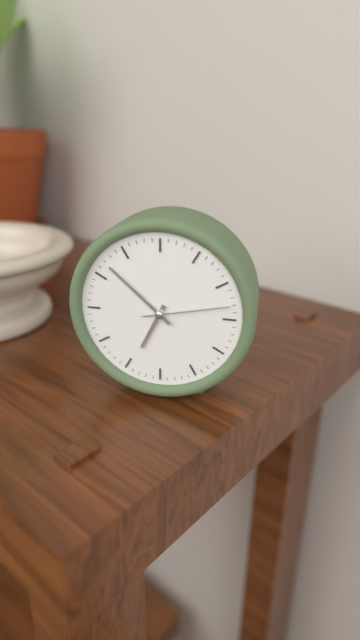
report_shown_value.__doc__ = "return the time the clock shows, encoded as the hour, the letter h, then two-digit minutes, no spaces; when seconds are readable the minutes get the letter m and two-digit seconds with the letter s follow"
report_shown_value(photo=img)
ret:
6h52m13s
